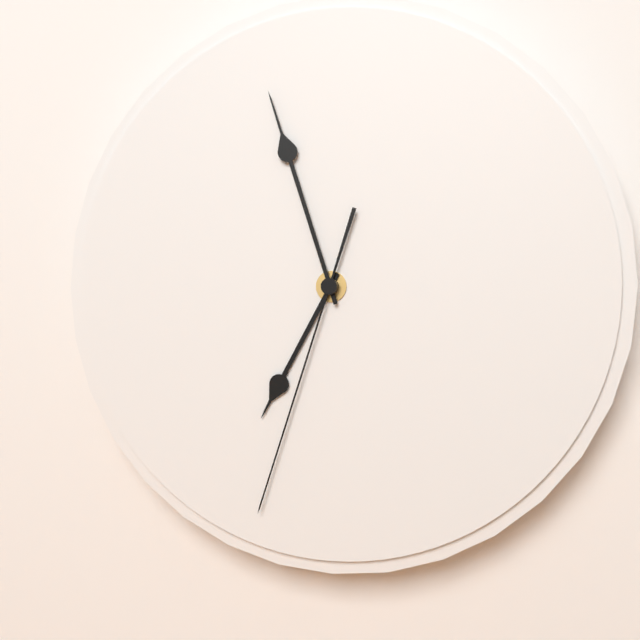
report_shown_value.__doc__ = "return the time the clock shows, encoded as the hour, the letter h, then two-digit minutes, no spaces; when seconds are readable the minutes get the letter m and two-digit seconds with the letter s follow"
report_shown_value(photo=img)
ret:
6h57m33s
